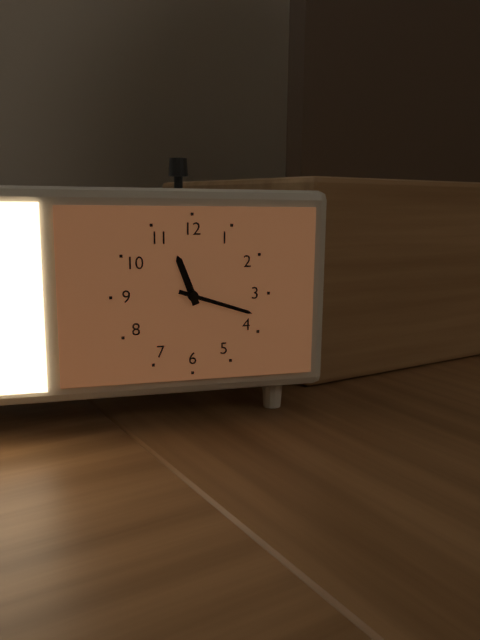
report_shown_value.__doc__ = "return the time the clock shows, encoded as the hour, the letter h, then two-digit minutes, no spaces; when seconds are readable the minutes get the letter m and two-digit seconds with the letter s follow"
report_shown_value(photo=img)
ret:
11h18
